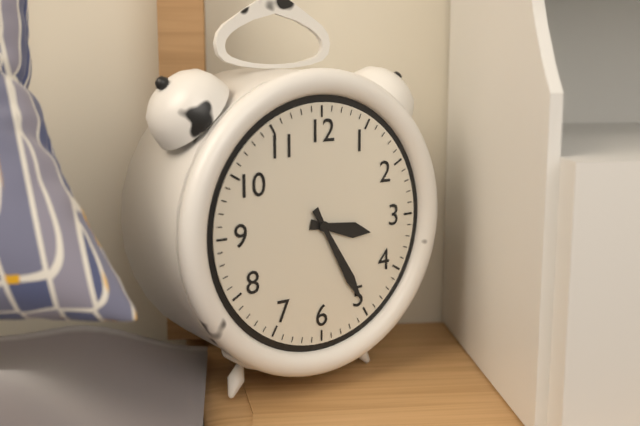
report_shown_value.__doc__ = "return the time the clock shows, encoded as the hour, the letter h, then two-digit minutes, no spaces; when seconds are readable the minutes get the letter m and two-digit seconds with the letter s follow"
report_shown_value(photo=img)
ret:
3h25
